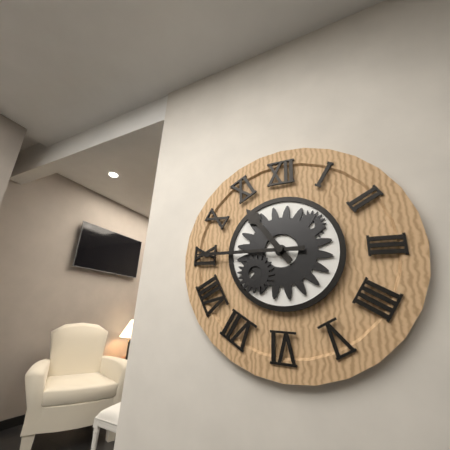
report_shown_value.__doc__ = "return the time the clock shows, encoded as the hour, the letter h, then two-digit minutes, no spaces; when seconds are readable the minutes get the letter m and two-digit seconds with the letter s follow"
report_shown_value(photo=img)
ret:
10h45
